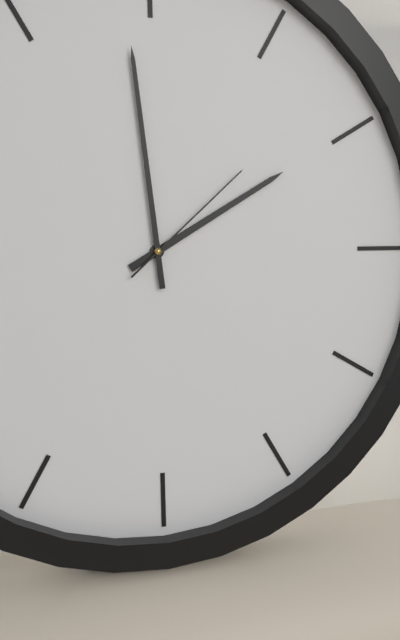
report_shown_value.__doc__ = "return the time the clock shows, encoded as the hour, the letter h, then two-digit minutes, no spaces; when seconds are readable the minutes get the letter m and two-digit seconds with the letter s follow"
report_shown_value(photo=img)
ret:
1h59m08s
